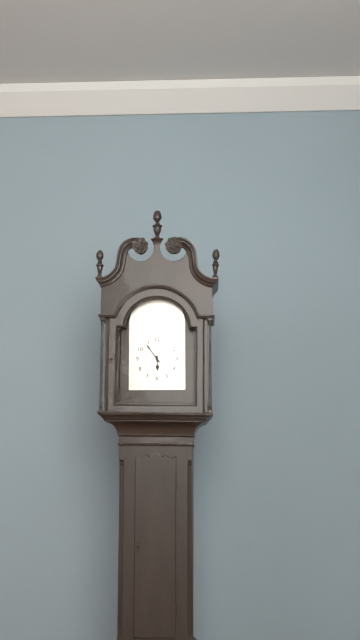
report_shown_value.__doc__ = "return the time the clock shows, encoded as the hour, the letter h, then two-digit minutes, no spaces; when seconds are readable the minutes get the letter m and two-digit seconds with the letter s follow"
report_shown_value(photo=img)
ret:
5h54
